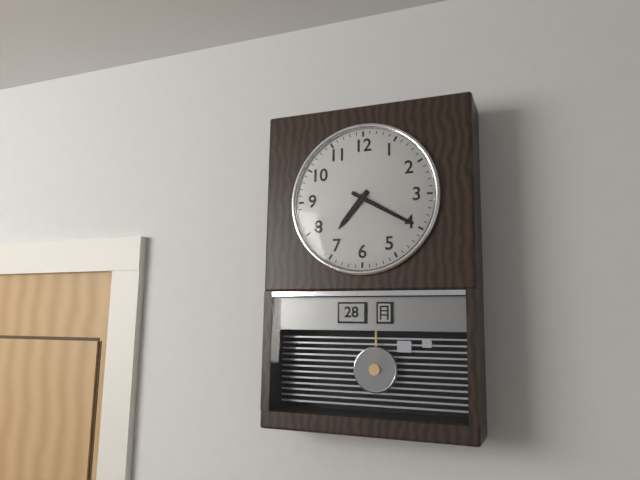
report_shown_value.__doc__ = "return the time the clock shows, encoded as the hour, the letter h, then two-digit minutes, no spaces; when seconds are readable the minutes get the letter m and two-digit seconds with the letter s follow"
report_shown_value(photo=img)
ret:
7h20
